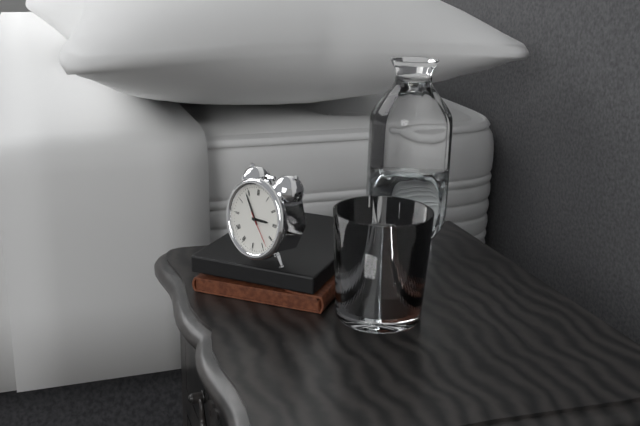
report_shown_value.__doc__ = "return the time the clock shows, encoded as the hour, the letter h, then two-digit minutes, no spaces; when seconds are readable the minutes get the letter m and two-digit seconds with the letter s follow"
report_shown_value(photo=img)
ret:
2h54
